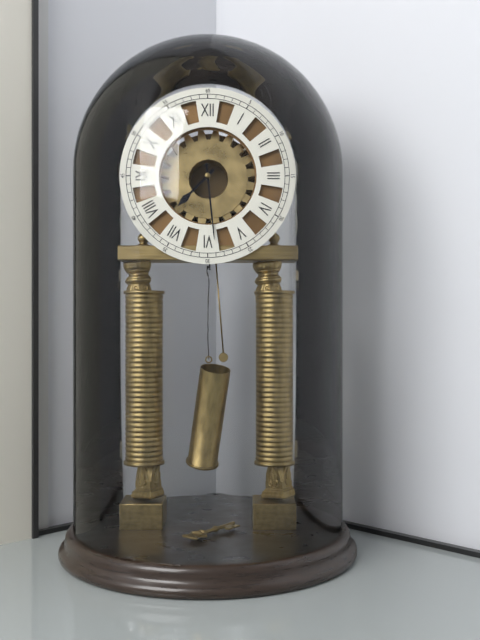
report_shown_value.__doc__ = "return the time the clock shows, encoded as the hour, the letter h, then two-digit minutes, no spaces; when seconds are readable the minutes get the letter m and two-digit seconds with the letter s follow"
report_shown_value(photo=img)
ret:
7h29
